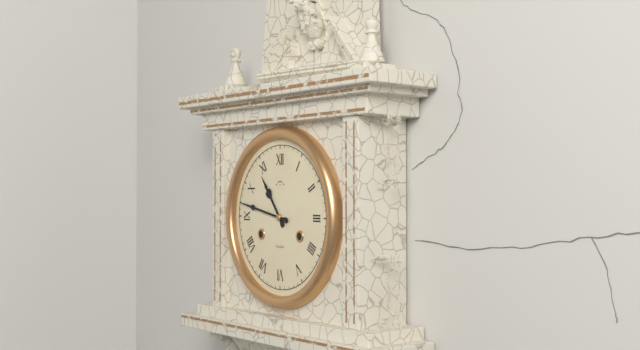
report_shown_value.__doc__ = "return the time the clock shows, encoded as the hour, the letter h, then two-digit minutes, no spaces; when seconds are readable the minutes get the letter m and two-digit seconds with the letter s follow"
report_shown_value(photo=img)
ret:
10h47
